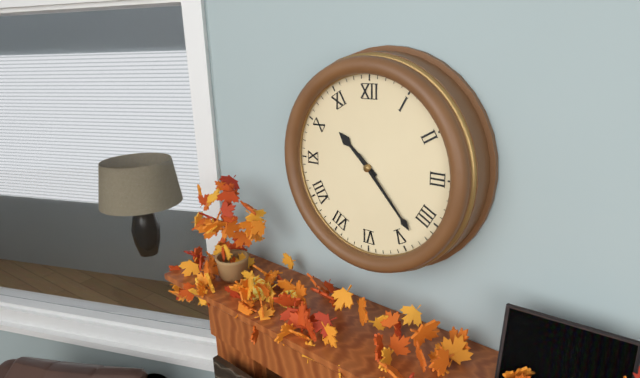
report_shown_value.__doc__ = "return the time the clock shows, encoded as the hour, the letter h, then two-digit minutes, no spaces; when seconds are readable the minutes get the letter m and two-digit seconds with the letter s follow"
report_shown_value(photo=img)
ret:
10h23
